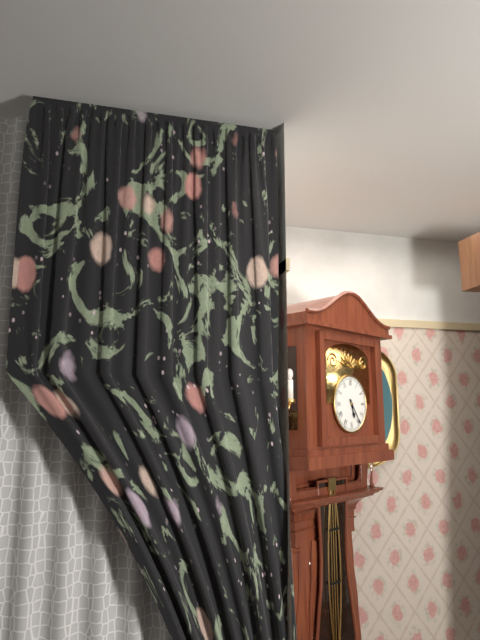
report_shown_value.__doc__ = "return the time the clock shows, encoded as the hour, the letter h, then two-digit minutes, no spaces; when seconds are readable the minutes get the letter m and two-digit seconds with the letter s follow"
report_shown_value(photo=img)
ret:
5h24
